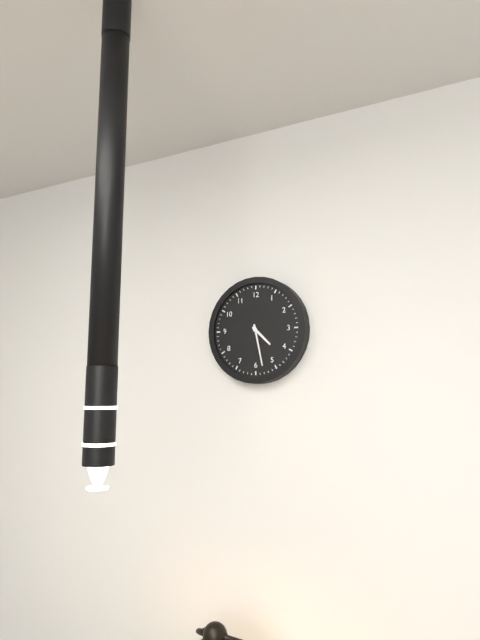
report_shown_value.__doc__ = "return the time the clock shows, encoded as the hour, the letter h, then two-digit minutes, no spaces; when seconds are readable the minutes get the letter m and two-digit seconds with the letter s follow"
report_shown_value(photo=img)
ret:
4h28
